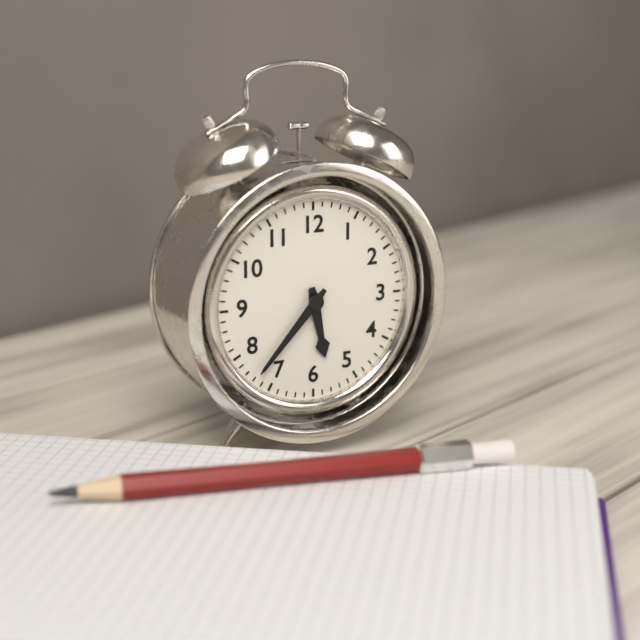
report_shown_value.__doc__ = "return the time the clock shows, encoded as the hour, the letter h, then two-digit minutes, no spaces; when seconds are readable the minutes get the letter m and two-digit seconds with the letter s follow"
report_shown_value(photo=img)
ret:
5h37
